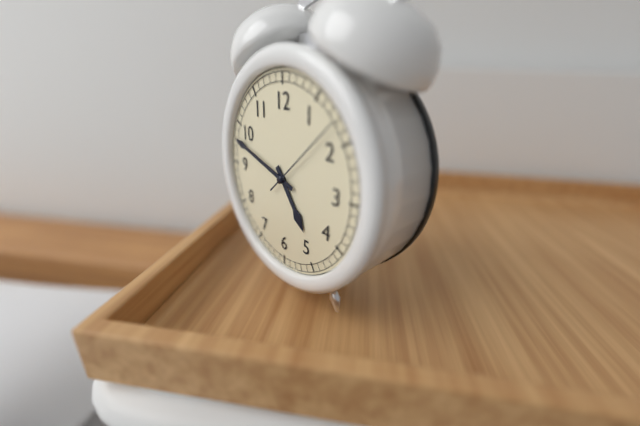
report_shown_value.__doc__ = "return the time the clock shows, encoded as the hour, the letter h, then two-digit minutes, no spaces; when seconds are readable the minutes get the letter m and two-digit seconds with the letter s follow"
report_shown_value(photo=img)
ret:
4h48m08s
